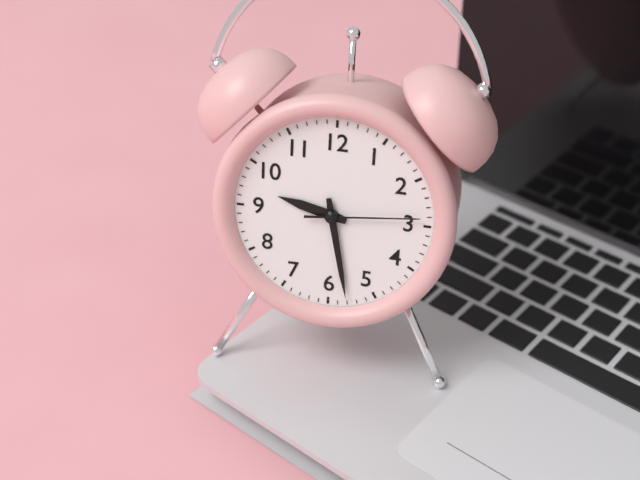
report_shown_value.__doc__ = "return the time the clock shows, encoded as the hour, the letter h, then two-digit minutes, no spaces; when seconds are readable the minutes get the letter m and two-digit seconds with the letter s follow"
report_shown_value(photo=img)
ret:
9h28m14s
